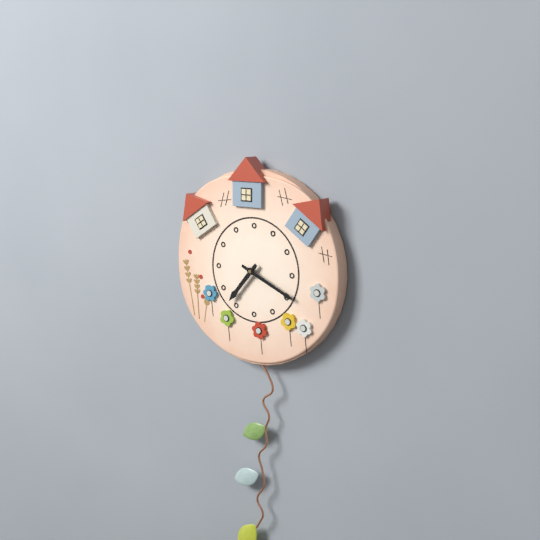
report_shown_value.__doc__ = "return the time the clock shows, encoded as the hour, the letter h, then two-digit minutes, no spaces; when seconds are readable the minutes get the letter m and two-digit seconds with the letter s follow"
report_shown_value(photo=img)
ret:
7h19
